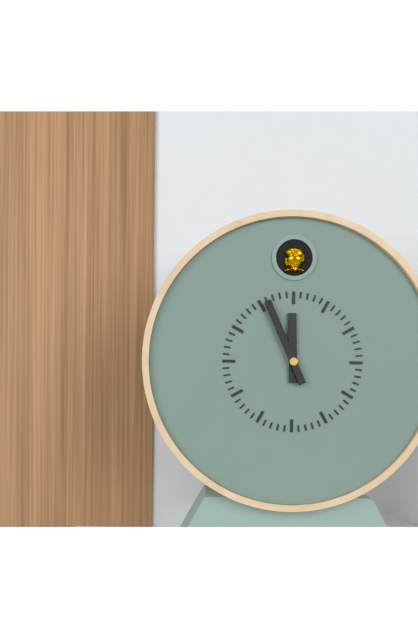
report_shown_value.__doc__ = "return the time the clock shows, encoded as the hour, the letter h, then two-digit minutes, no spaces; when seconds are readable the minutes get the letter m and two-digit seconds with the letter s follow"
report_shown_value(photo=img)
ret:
11h56
